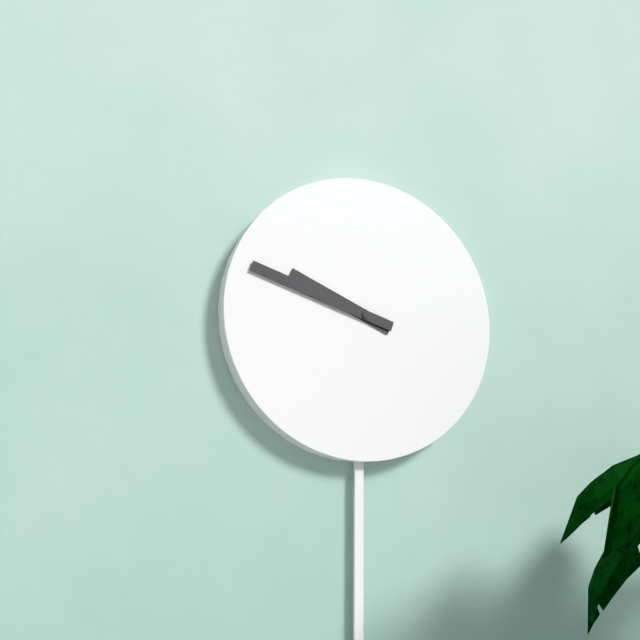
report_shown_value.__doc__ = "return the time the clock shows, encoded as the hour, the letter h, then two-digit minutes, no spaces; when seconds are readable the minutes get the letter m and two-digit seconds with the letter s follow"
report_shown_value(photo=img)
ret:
9h48
